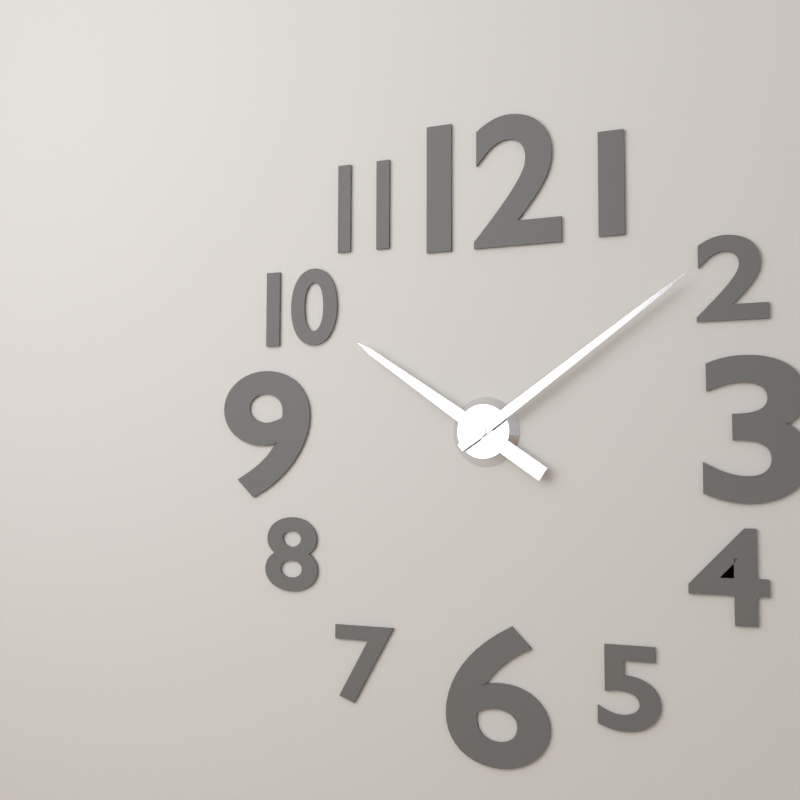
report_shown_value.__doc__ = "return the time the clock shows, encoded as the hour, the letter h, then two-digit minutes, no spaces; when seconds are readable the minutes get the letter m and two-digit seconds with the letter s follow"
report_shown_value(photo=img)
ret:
10h09
